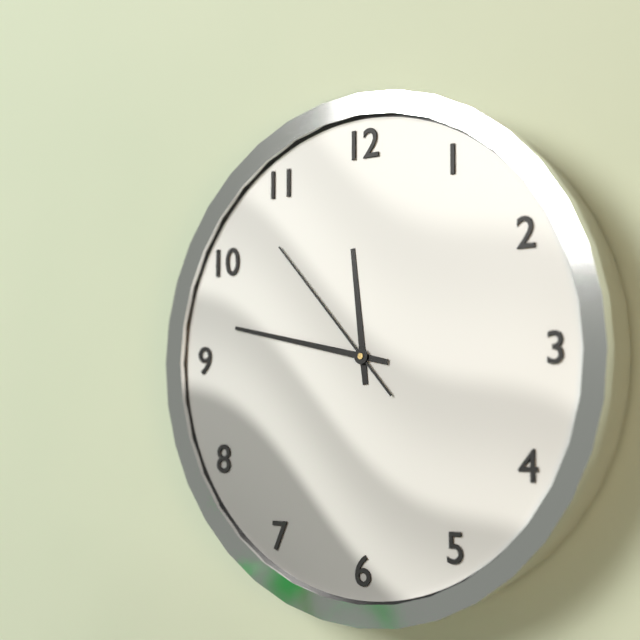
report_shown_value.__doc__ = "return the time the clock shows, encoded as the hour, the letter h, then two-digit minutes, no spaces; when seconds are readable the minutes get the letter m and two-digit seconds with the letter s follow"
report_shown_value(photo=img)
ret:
11h47m53s
